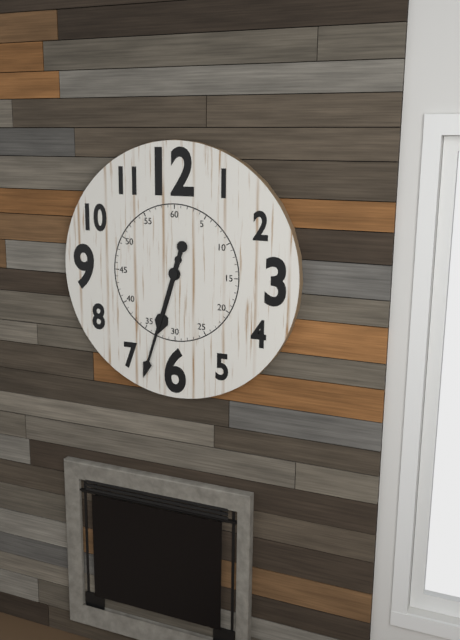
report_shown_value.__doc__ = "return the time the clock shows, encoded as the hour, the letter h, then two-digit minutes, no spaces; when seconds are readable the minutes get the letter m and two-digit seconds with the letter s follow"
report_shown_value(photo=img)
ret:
6h33
